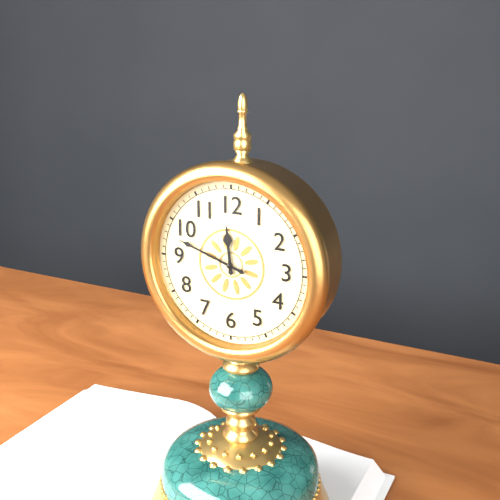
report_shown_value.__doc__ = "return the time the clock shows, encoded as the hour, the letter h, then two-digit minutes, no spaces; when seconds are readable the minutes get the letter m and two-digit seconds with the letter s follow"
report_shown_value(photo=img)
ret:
11h48
